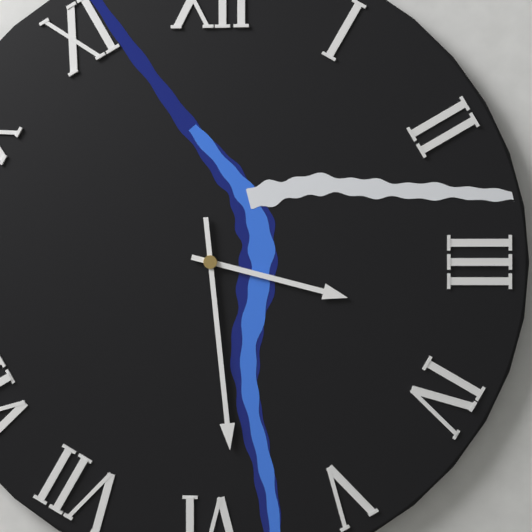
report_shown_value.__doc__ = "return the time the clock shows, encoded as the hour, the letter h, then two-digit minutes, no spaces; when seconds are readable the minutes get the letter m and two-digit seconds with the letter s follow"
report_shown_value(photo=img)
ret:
3h29
